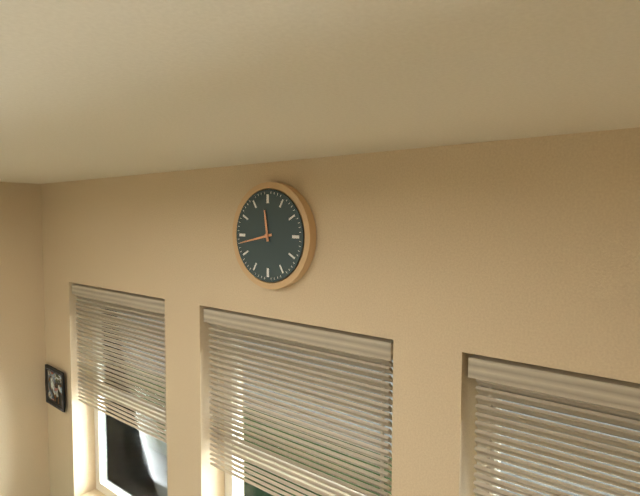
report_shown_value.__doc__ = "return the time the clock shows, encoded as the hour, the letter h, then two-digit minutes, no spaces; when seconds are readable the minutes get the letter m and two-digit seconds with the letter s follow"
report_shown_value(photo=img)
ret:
11h43
